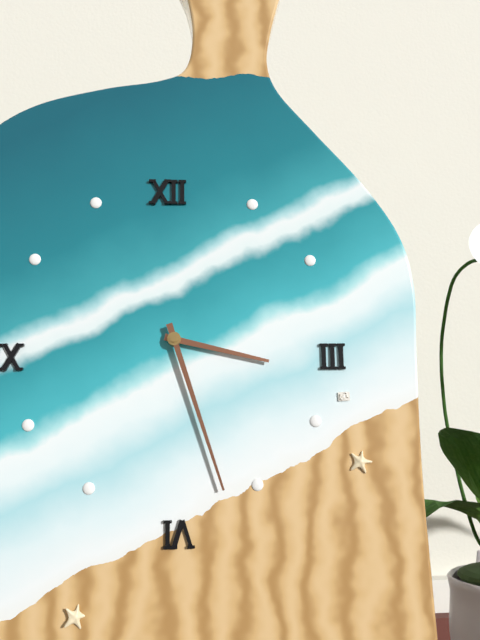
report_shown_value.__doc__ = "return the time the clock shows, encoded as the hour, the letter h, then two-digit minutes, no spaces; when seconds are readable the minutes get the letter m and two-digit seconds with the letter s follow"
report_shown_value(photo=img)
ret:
3h27
